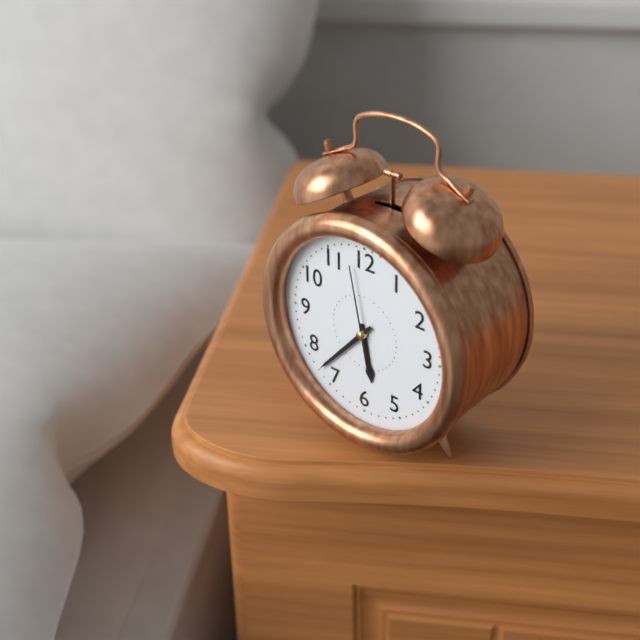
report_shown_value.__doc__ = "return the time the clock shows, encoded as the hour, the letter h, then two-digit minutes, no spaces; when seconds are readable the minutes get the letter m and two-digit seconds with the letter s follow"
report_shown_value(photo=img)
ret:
5h37m58s
